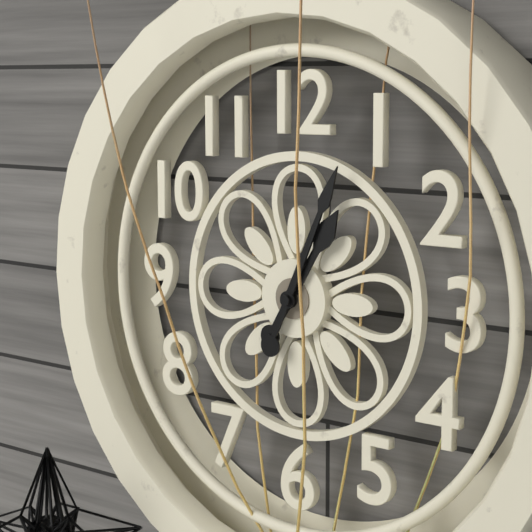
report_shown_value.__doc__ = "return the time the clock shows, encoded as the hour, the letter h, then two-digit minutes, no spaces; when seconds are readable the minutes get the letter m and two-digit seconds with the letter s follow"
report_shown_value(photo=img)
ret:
1h04
